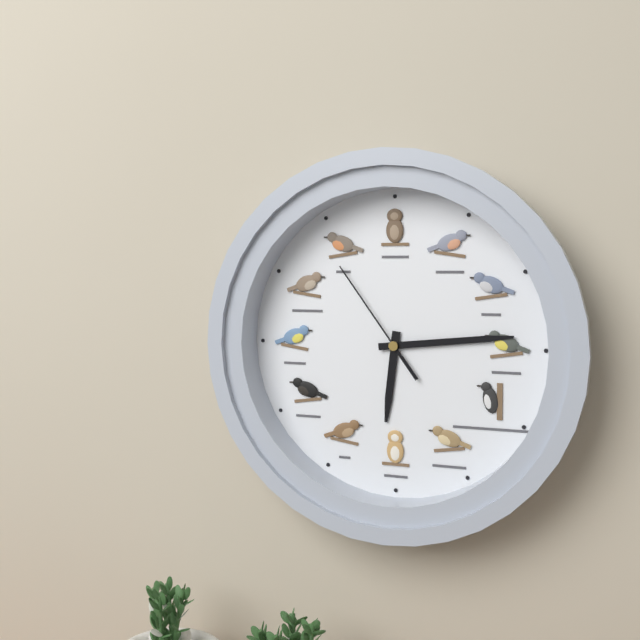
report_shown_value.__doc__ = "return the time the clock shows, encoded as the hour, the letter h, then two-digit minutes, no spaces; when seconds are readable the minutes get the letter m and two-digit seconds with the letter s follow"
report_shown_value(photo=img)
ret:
6h14m54s
